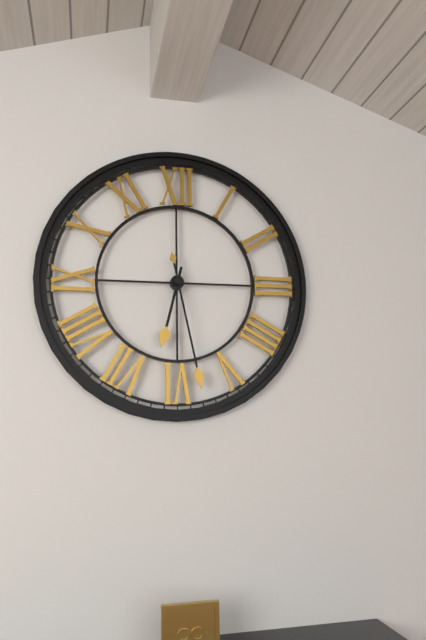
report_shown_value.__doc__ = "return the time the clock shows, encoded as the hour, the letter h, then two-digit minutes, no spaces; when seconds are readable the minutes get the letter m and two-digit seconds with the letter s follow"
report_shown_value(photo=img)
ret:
6h28
